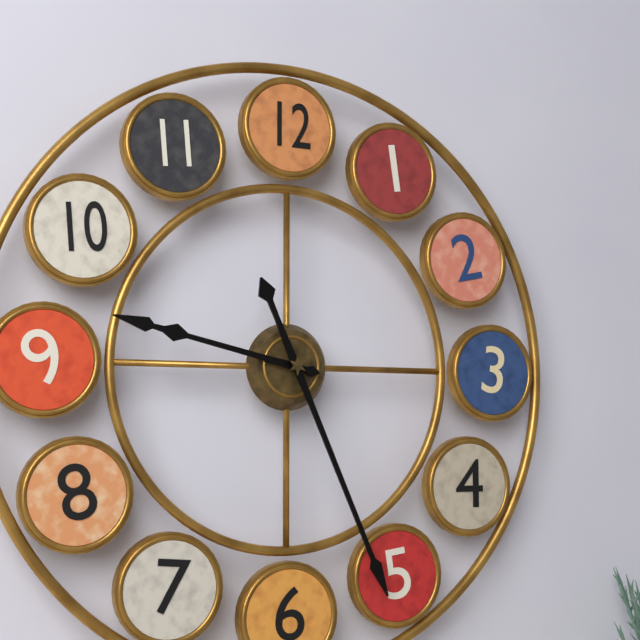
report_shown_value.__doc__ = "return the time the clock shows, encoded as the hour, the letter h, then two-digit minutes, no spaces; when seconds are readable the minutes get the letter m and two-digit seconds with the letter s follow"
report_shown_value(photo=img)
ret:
9h26
